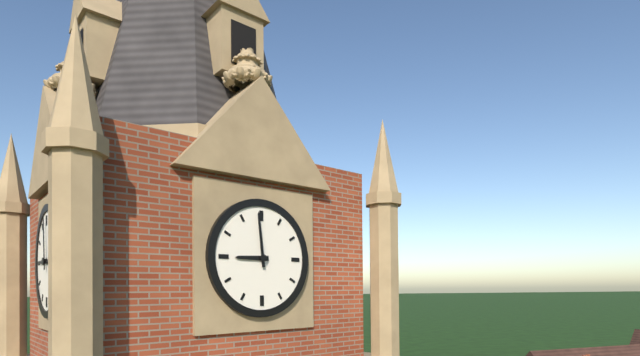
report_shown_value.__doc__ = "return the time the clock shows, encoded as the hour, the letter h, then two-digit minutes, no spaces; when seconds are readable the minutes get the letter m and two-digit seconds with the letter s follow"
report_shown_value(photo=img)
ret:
8h59
